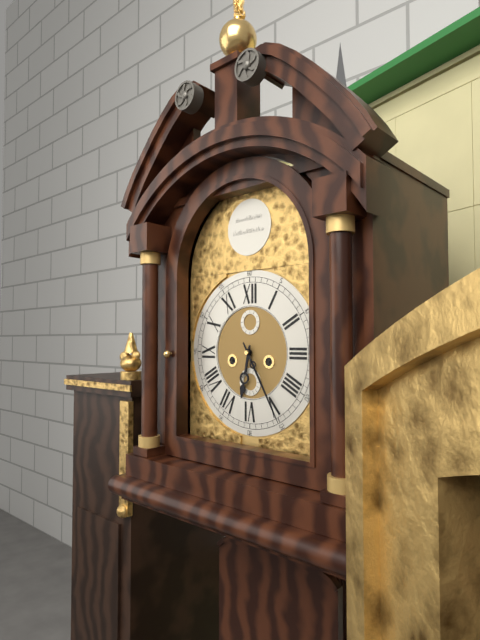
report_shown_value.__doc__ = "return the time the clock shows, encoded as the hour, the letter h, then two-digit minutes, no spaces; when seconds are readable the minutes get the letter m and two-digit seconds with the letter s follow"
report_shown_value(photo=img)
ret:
6h25
